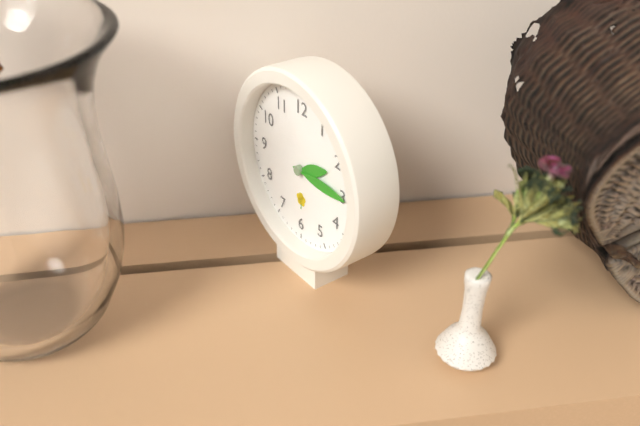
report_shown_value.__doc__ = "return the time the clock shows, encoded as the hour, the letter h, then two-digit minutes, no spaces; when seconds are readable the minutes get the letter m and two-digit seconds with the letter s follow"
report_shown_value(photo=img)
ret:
2h15
